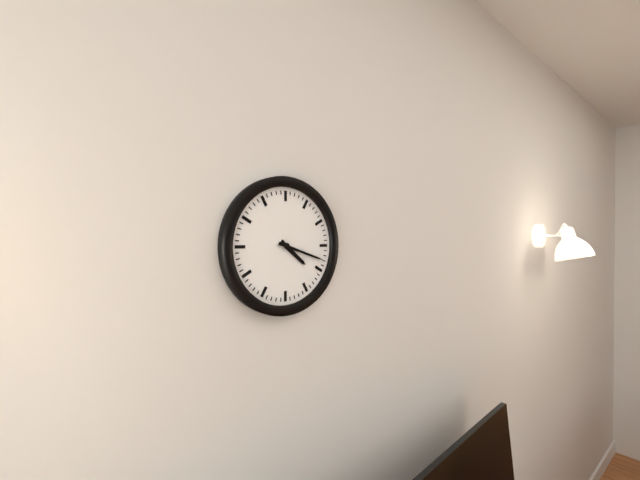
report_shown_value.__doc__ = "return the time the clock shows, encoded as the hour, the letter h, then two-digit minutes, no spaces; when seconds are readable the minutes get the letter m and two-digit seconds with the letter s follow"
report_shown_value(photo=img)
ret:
4h18
